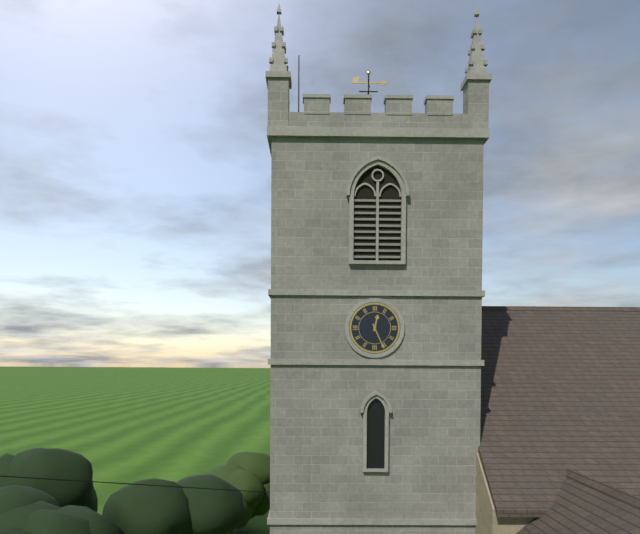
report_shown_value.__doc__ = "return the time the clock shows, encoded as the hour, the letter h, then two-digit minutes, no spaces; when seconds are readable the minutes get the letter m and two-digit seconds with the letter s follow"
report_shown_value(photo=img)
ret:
12h26
